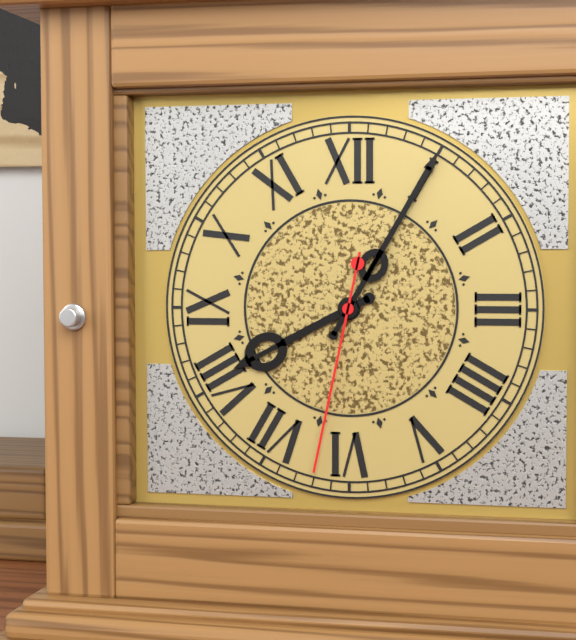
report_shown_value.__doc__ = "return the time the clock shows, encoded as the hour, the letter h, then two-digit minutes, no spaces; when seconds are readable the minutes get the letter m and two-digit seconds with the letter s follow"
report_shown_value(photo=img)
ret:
8h05m32s
